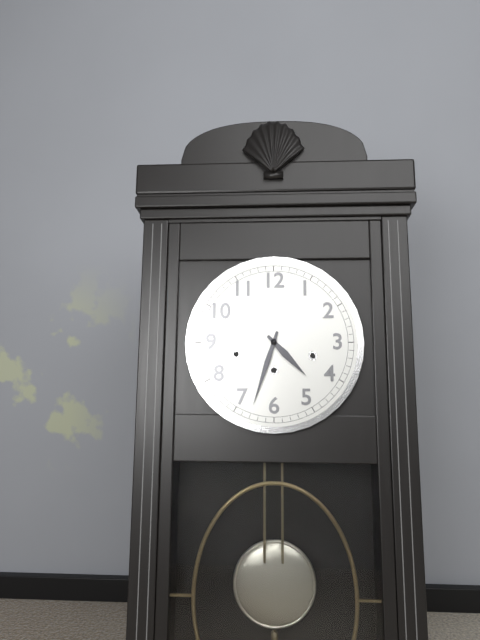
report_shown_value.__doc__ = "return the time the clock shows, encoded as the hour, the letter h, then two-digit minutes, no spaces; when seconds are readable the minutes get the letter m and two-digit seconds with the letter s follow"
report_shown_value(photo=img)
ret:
4h33
